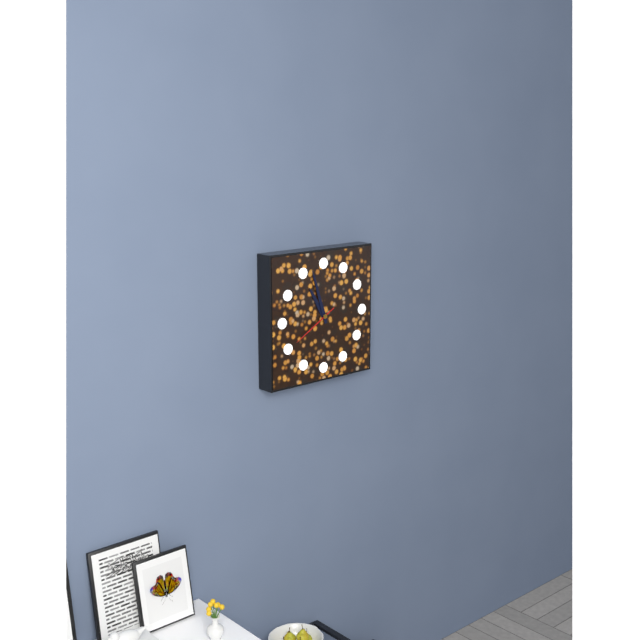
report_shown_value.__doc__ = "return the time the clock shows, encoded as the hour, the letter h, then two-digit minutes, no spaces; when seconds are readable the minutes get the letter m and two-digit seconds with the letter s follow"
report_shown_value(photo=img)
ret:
10h57
